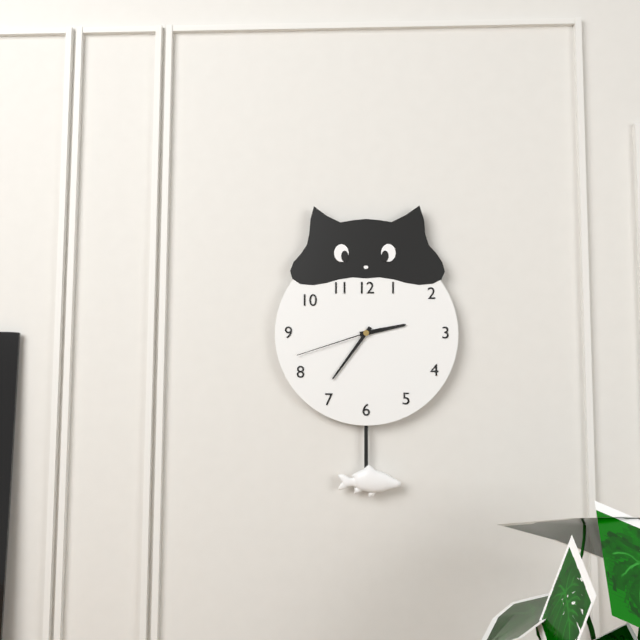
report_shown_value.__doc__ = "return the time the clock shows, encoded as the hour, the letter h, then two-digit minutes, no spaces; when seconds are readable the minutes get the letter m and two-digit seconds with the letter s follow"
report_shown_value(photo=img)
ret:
2h36m42s
